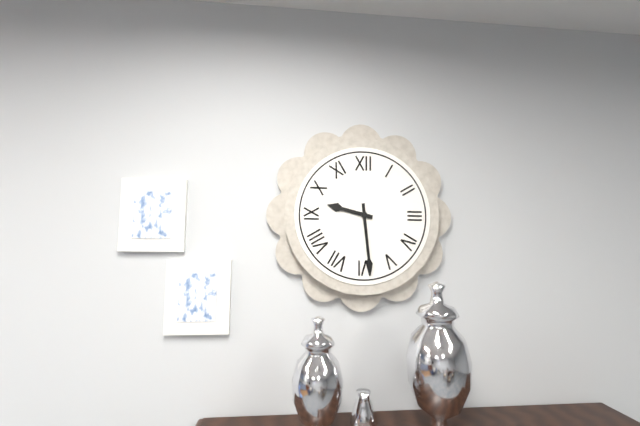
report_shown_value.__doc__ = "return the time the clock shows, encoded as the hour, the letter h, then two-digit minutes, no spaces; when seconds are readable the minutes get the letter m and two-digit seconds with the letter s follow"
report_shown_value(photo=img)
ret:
9h29
